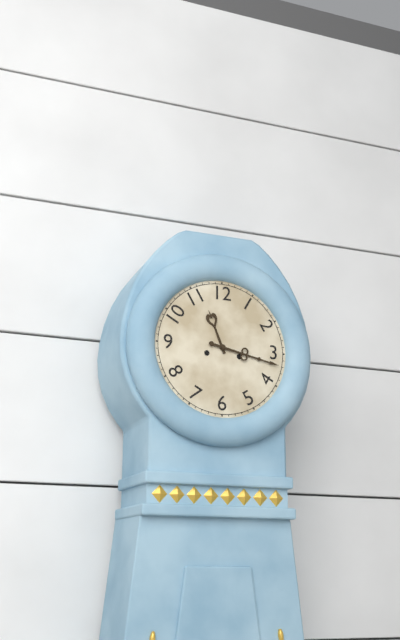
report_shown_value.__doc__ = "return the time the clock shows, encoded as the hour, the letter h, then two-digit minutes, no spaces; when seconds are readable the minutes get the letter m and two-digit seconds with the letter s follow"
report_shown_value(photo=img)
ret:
11h17
